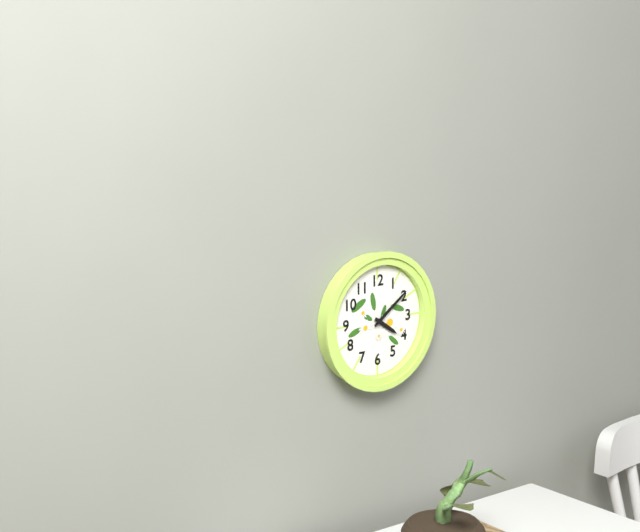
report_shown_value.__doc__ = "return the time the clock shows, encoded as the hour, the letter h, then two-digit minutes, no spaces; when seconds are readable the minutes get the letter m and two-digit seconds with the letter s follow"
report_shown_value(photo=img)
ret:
4h09
